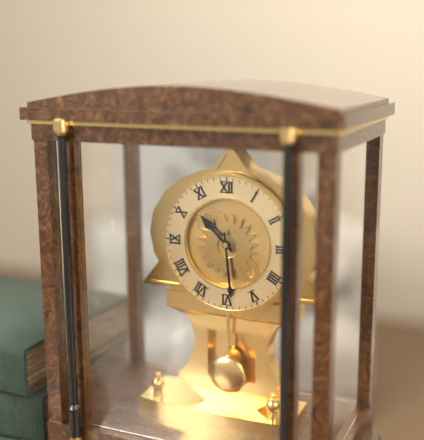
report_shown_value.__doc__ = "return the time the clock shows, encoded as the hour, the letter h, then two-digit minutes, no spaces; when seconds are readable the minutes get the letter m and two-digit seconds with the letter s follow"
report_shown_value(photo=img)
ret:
10h29
